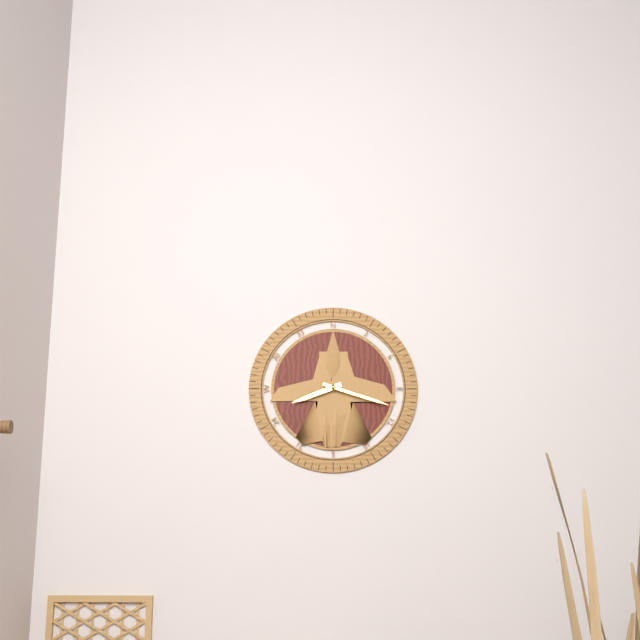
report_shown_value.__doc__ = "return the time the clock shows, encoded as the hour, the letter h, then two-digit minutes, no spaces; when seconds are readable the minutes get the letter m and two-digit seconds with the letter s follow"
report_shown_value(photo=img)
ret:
8h18
